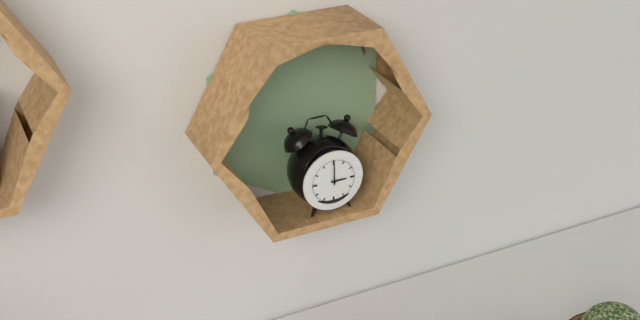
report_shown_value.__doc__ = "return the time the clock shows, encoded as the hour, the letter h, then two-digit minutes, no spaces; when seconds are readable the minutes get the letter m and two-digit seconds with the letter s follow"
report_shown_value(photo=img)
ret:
3h00
